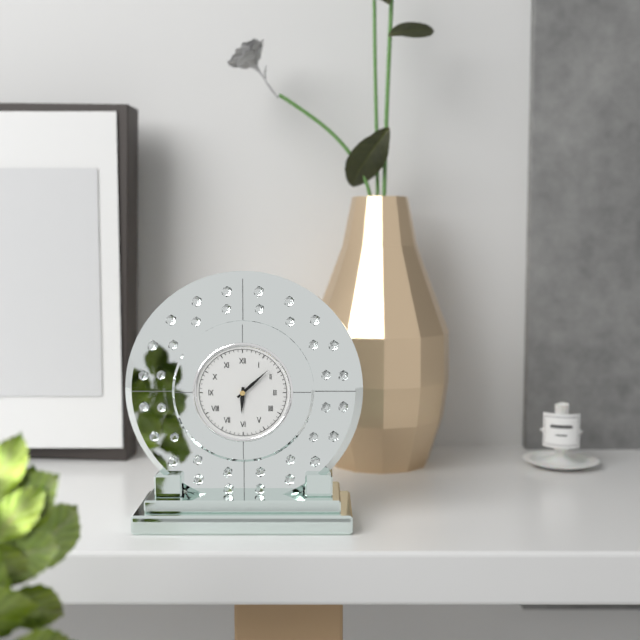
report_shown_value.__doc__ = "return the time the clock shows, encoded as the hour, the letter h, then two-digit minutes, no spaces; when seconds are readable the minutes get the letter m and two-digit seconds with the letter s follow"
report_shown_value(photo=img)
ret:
6h08
